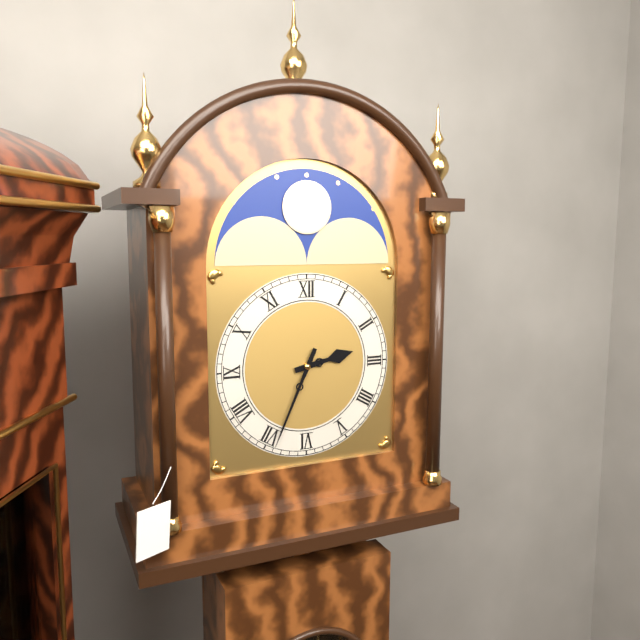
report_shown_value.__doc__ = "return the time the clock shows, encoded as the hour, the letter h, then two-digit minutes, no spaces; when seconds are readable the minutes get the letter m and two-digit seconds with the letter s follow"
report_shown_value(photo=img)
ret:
2h34
